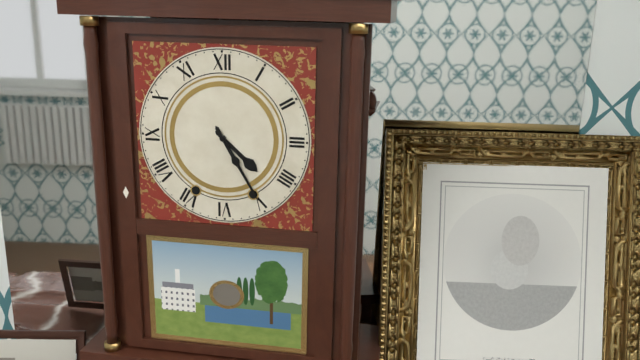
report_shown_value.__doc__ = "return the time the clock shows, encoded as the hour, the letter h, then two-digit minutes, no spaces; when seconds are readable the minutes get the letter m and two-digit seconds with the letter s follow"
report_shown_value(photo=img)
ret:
4h25
